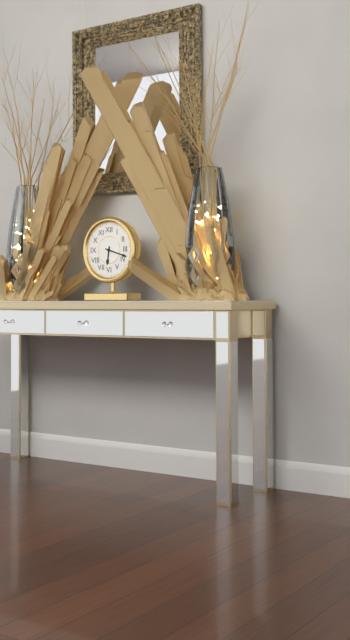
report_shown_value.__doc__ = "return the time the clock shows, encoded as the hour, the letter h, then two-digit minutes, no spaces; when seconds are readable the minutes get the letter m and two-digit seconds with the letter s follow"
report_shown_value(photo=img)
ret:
6h18
